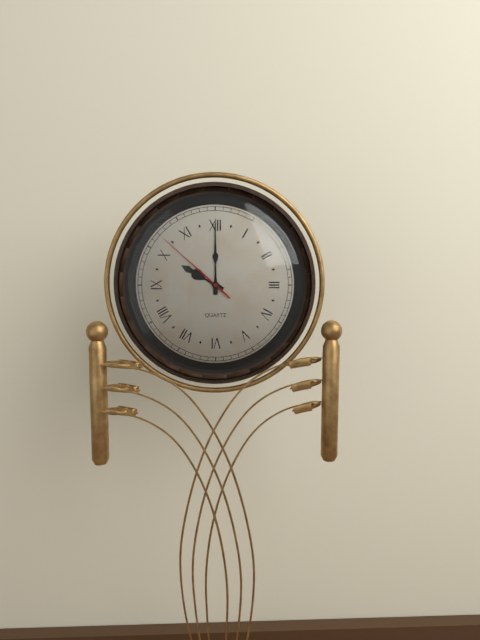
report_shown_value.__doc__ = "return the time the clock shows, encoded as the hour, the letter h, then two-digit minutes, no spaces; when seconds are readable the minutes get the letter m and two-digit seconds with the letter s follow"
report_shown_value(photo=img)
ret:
10h00m52s
